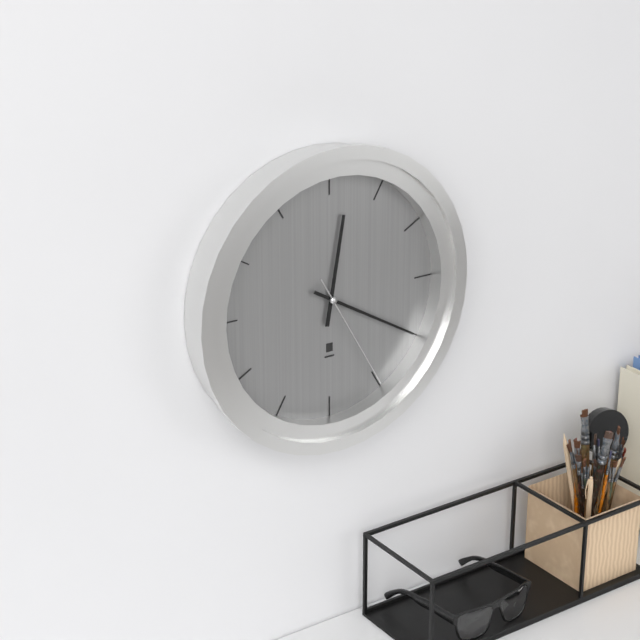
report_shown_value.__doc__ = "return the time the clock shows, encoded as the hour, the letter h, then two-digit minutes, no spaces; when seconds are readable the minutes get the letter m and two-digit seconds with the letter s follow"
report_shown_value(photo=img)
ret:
12h20m25s
